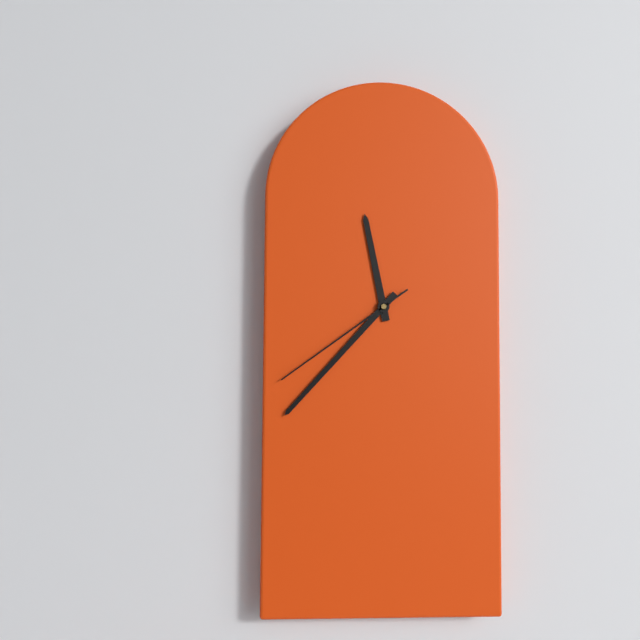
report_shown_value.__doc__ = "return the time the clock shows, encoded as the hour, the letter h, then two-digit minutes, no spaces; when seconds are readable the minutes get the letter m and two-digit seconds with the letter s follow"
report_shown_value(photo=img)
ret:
11h37m39s
